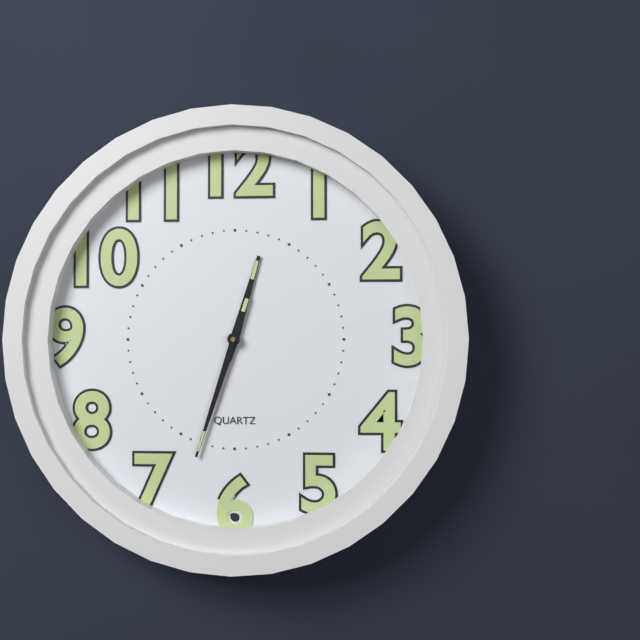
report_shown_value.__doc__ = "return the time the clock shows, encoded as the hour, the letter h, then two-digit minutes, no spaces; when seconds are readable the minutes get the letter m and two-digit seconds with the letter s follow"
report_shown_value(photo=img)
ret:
12h33
